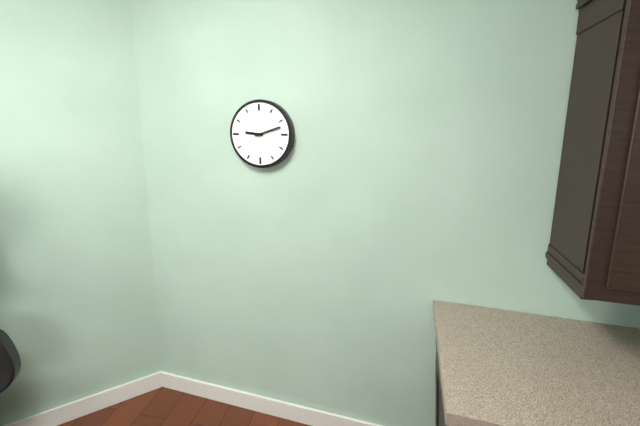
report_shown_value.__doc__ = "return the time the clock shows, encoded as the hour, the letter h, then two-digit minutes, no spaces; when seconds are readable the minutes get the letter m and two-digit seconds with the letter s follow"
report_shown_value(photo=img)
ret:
9h12
